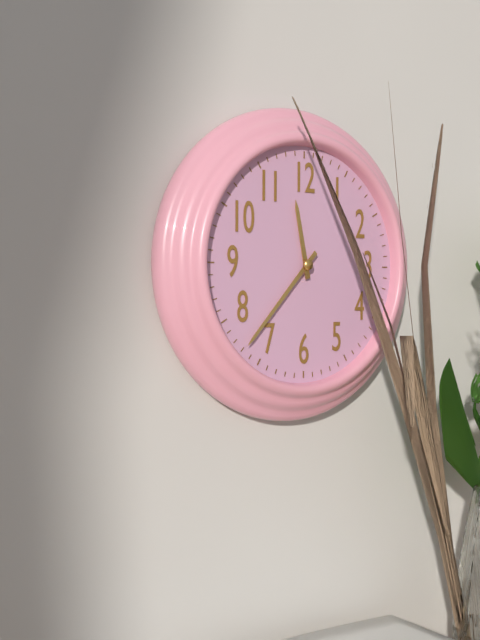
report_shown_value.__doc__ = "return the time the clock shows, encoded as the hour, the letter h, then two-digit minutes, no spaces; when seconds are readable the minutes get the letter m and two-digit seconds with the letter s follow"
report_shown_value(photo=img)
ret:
11h37
